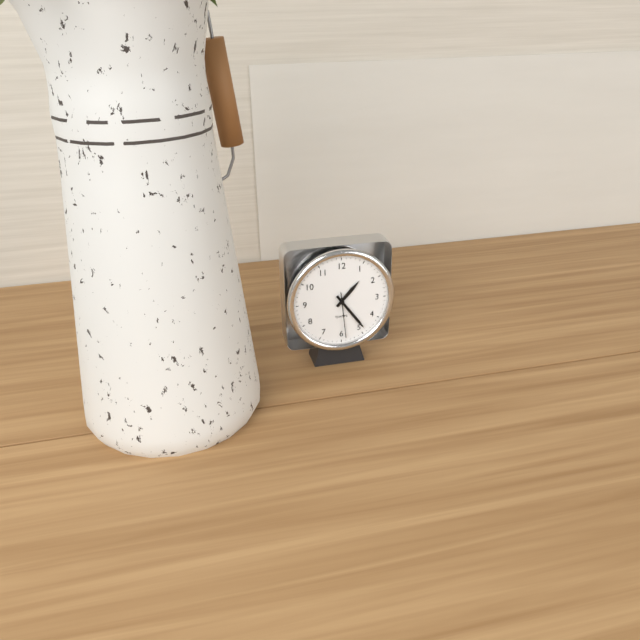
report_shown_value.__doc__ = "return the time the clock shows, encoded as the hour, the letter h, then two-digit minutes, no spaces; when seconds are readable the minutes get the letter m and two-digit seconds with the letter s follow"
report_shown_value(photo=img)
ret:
1h24
